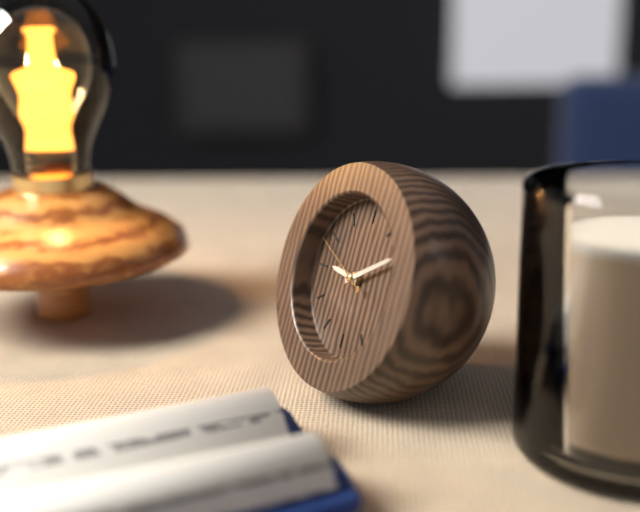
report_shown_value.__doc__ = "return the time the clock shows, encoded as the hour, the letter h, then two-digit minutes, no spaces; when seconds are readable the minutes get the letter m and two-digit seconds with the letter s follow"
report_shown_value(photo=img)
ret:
9h10m49s
